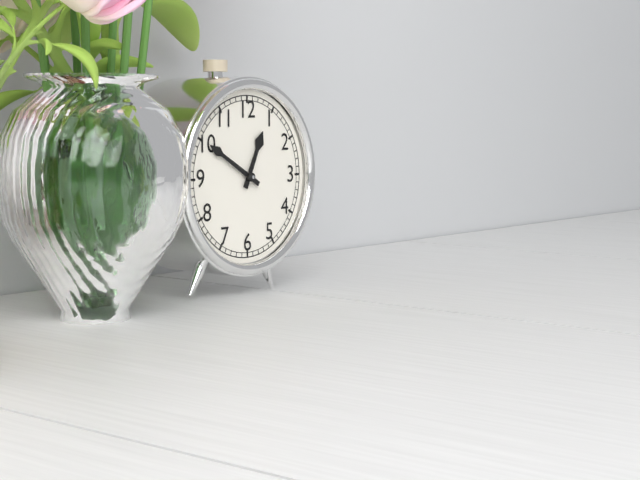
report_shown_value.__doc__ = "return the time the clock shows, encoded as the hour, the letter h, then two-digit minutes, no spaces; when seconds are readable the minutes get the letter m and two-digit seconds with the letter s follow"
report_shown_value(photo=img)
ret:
12h50
